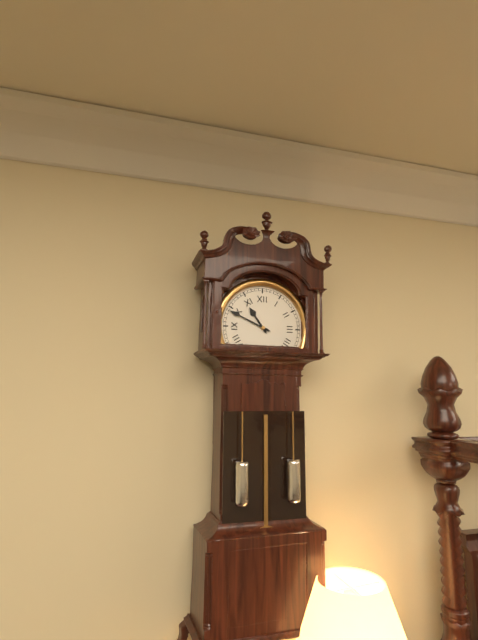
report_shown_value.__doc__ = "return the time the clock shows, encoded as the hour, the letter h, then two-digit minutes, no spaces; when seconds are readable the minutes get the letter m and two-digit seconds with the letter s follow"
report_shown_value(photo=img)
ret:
10h49
